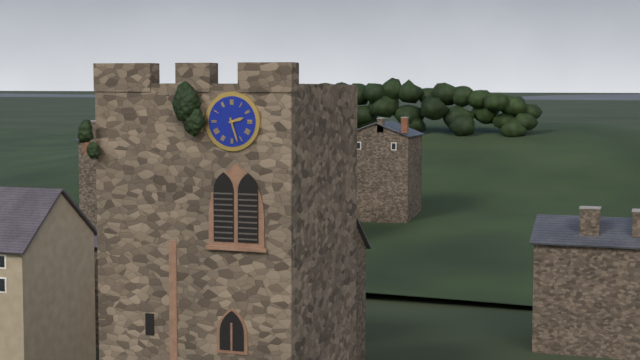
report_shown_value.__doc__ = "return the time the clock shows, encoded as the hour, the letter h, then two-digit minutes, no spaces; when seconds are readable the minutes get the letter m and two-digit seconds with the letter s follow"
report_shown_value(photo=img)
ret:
2h27
